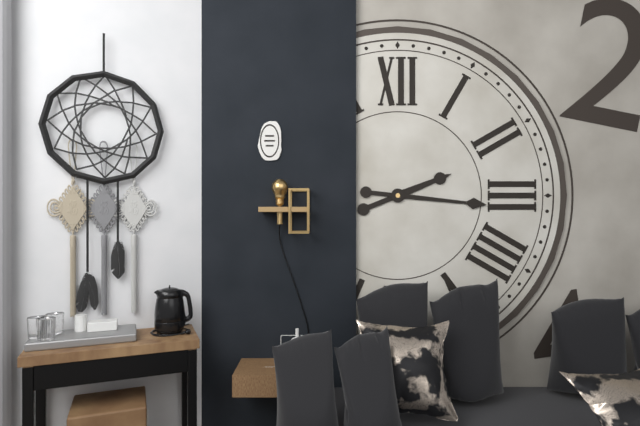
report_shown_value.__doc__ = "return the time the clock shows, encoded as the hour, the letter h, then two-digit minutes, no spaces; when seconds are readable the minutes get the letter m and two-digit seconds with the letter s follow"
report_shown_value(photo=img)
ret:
2h16
